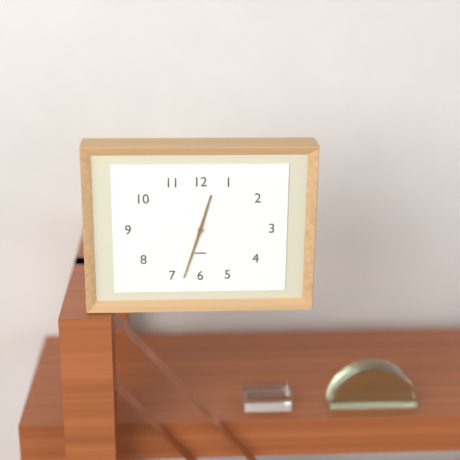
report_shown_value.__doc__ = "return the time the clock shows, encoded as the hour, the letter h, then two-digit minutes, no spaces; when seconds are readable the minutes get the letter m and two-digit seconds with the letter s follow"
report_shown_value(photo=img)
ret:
12h33
